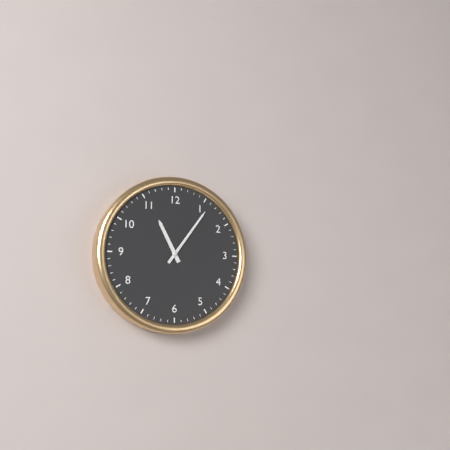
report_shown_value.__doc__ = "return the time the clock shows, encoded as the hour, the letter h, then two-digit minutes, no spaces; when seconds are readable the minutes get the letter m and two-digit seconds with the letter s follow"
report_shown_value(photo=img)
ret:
11h06
